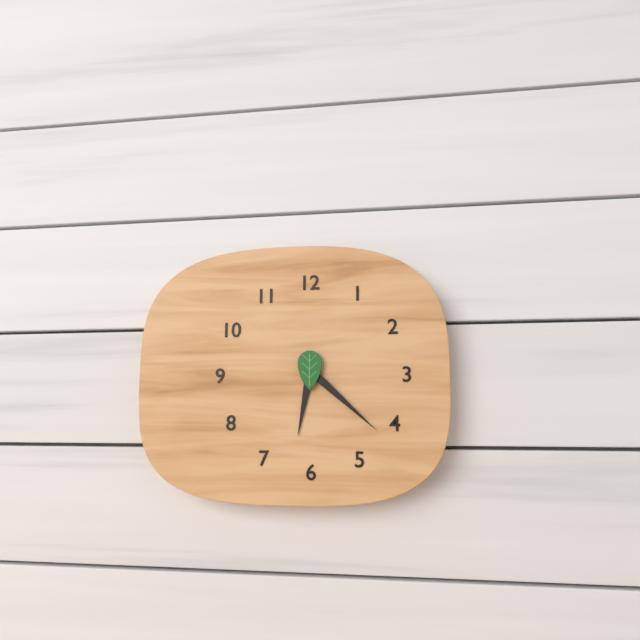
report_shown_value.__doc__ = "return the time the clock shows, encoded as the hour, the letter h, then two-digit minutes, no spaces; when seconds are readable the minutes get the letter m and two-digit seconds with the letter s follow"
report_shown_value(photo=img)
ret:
6h22
